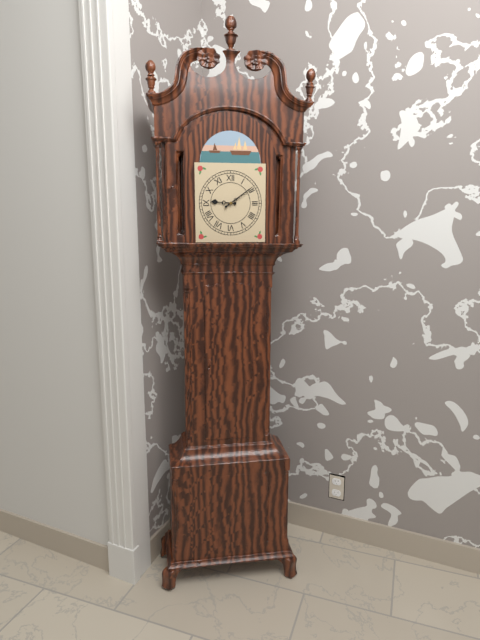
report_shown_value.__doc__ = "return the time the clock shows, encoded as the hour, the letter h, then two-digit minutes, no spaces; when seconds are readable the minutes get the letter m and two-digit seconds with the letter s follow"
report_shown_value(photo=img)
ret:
9h09
